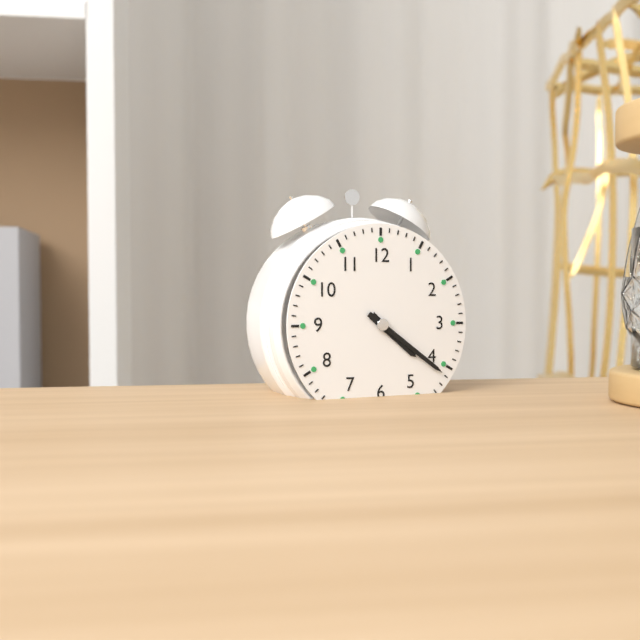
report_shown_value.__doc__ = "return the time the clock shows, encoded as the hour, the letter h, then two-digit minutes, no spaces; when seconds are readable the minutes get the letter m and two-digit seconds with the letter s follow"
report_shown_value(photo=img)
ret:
4h21
